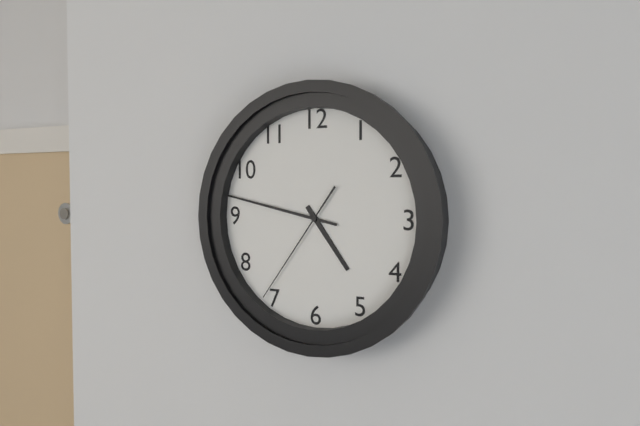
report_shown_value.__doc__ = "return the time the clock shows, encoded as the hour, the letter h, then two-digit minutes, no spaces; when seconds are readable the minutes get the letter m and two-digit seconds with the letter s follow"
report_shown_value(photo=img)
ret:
4h47m36s
